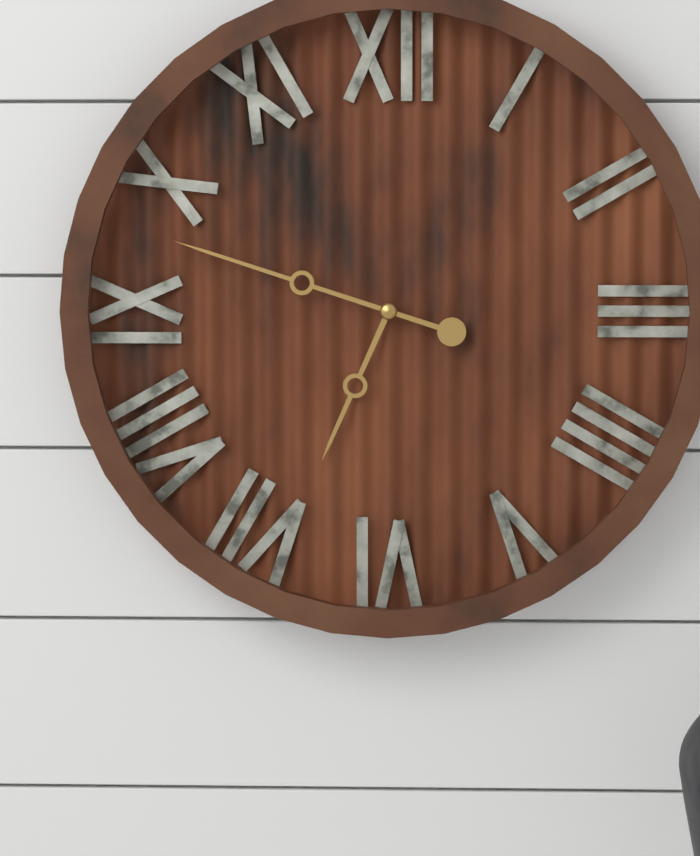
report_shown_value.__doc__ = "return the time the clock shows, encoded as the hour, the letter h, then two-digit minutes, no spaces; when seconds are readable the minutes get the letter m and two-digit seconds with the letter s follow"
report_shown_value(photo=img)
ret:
6h48
